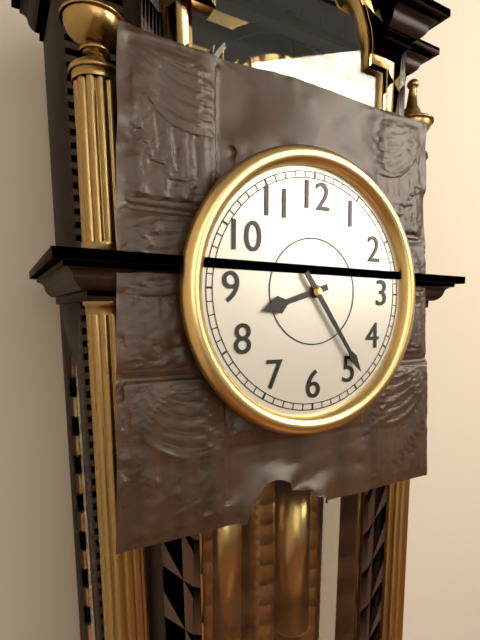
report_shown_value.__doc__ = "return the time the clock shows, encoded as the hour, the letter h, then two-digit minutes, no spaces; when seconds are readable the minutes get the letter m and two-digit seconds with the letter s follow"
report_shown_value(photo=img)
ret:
8h24
